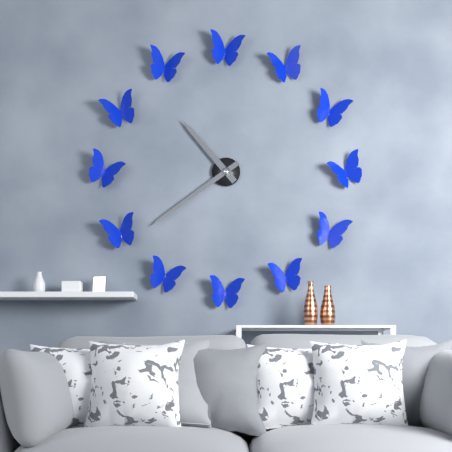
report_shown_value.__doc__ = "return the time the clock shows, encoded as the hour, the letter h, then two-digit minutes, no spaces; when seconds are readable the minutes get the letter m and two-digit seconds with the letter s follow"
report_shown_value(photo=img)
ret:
10h39
